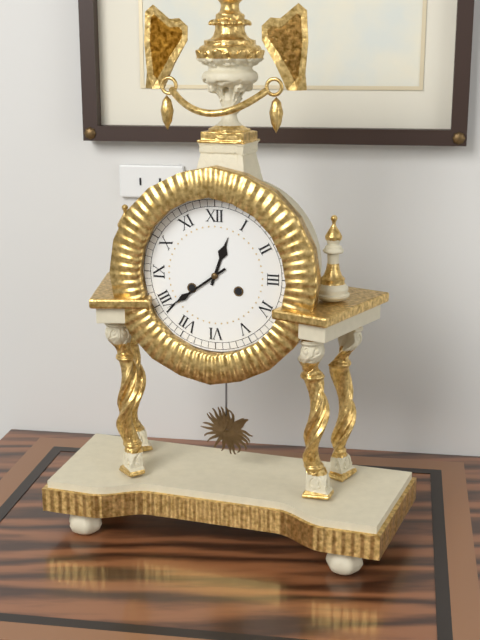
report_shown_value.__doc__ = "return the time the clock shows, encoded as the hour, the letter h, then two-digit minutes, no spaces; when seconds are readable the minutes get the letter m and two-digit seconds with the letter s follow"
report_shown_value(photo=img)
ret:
12h39
